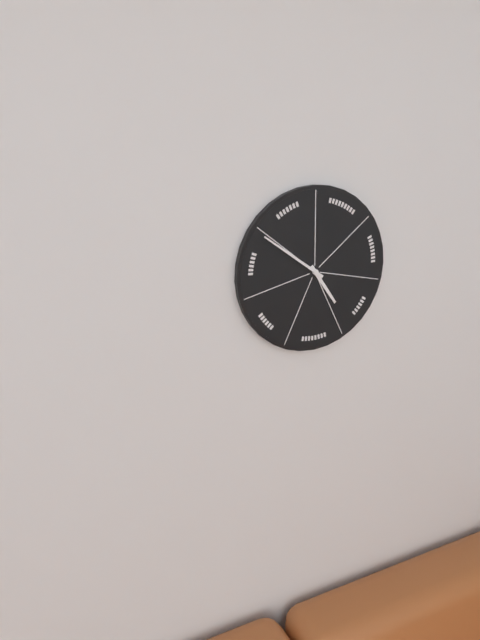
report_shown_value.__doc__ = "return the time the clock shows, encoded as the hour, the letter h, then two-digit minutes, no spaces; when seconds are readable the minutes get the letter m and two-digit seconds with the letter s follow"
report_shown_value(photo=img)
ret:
4h51
